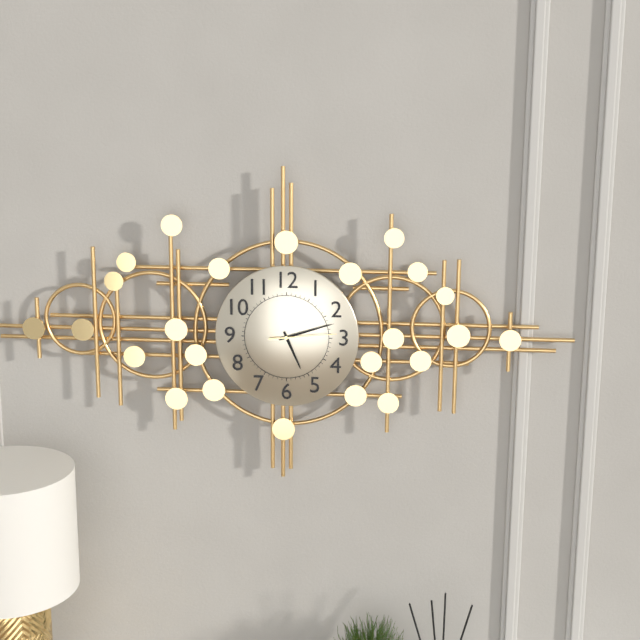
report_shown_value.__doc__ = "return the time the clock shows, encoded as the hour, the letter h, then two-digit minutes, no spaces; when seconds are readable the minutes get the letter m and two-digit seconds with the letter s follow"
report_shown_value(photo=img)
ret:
5h12m14s
